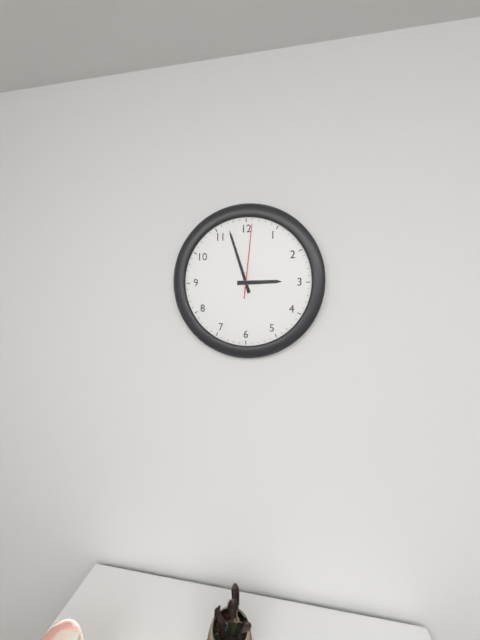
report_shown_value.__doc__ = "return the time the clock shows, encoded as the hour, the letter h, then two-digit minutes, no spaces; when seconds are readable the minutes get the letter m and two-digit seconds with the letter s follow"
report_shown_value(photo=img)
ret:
2h57m01s
